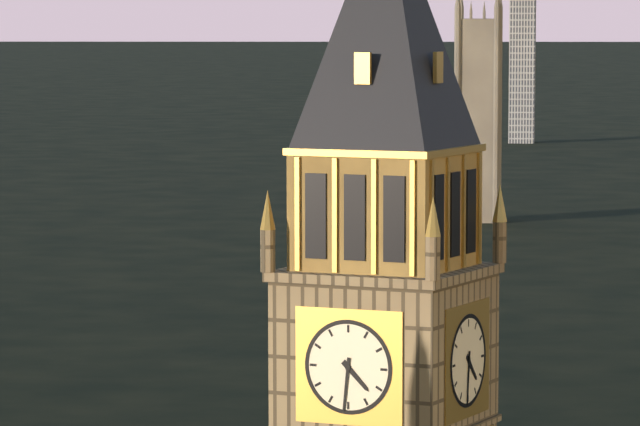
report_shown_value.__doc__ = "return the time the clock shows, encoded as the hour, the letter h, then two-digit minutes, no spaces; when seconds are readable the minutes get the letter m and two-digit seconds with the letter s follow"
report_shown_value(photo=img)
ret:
4h31
